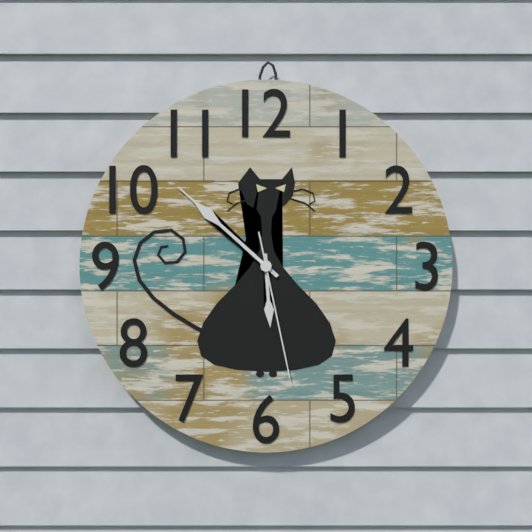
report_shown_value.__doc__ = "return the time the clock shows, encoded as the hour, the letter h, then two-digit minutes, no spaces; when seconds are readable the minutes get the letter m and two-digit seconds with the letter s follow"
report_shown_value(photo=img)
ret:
5h52m28s
